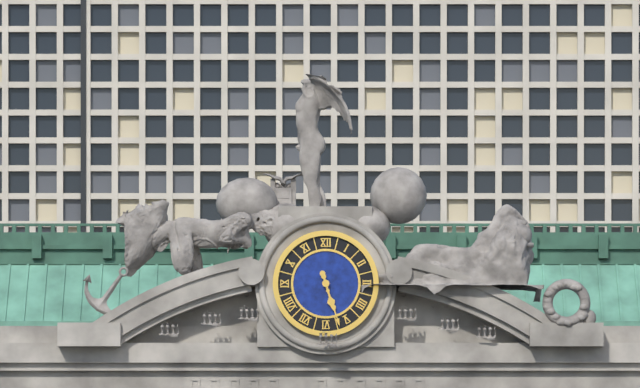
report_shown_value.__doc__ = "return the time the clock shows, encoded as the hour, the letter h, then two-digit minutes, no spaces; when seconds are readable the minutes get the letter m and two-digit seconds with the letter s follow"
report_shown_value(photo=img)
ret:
5h27
